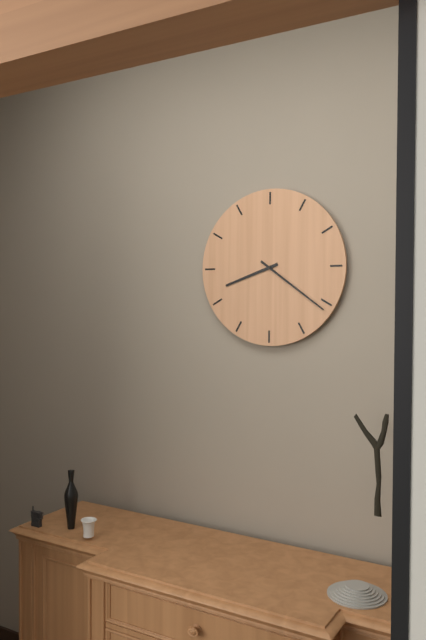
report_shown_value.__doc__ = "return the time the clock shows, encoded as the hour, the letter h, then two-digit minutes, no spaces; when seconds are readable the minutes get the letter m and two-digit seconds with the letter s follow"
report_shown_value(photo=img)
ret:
8h21
